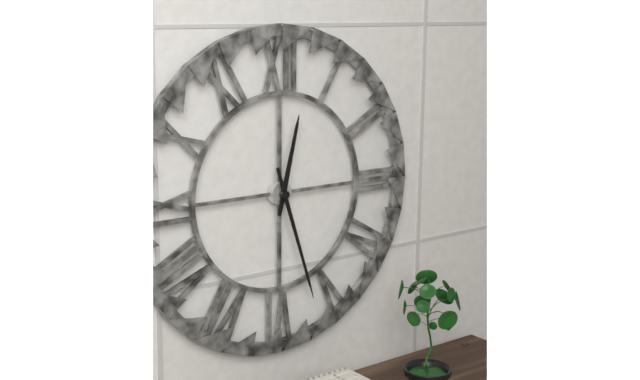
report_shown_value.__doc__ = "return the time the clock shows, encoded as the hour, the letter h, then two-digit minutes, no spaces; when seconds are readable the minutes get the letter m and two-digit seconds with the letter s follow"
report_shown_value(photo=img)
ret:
12h27
